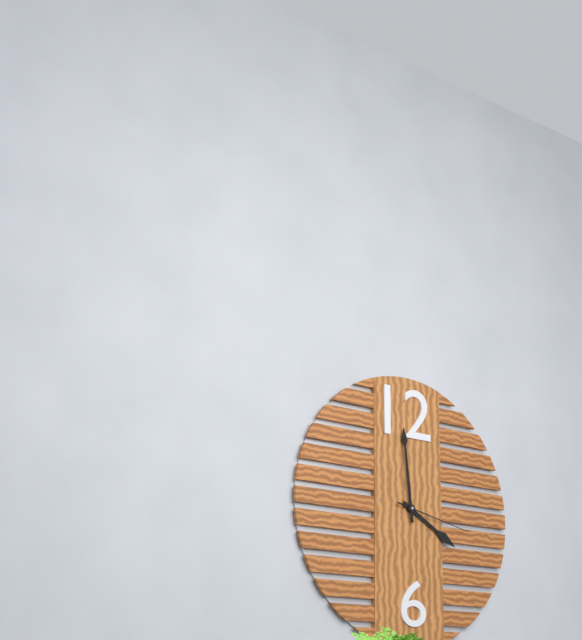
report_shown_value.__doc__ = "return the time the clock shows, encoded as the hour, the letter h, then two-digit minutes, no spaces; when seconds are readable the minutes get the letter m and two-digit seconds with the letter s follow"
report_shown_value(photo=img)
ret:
3h59m17s
